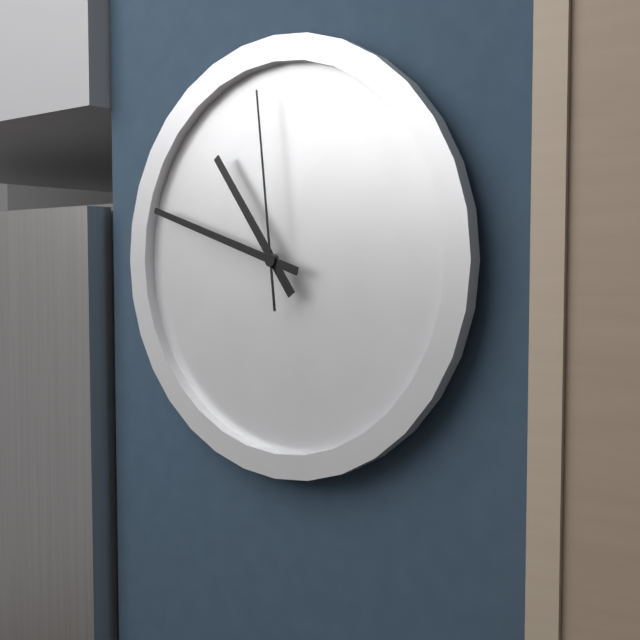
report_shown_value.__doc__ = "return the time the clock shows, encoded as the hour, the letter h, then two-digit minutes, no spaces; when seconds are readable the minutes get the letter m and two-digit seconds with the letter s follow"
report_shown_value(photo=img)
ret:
10h48m59s
